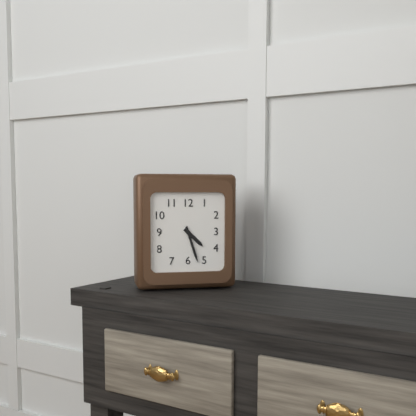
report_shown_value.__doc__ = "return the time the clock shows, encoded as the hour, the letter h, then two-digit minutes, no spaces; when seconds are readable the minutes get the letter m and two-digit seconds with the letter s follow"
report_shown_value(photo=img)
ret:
4h27
